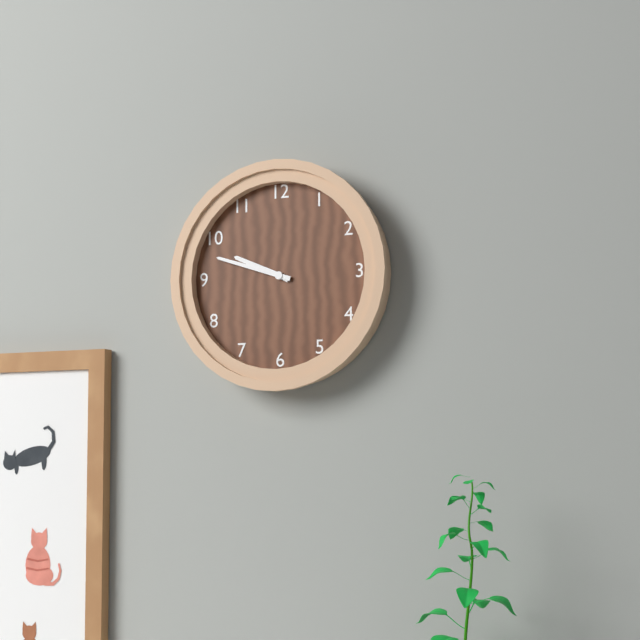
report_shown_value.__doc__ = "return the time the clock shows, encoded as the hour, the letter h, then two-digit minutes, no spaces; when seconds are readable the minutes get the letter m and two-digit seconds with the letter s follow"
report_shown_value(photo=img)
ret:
9h48
